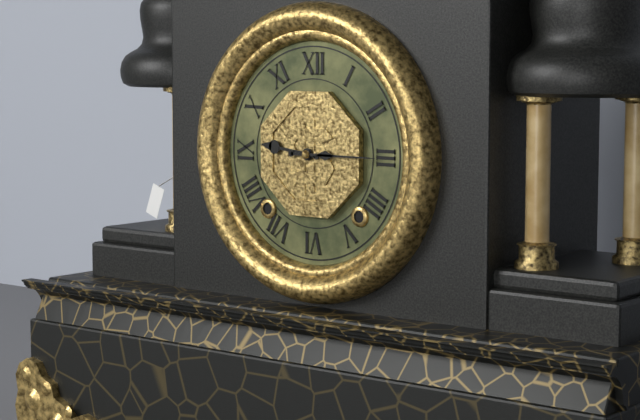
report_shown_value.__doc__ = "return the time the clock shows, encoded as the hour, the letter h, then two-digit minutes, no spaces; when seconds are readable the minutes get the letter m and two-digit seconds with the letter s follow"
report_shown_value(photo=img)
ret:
9h15
